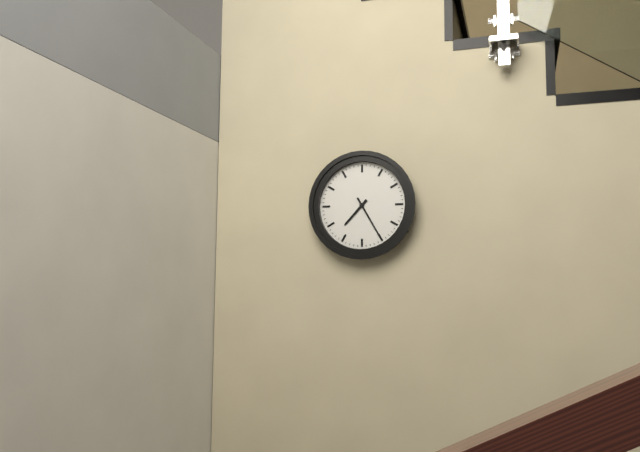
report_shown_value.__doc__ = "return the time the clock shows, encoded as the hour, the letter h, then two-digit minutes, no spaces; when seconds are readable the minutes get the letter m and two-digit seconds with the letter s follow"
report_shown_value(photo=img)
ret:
7h25
